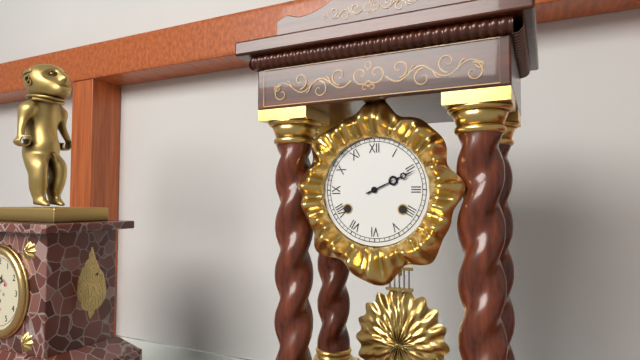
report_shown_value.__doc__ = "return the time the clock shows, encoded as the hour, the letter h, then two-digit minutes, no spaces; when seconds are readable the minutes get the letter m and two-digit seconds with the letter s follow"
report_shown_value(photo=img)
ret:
2h11
